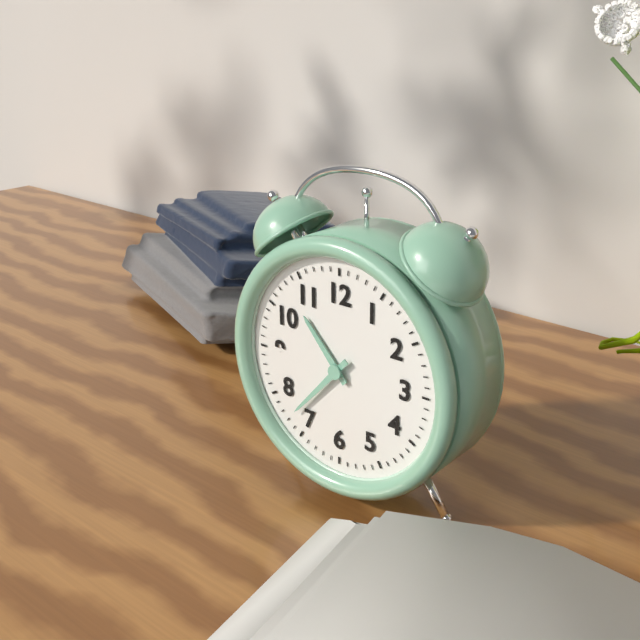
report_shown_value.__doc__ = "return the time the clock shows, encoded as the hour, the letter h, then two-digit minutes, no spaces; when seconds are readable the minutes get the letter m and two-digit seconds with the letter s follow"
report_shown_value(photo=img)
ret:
10h37
